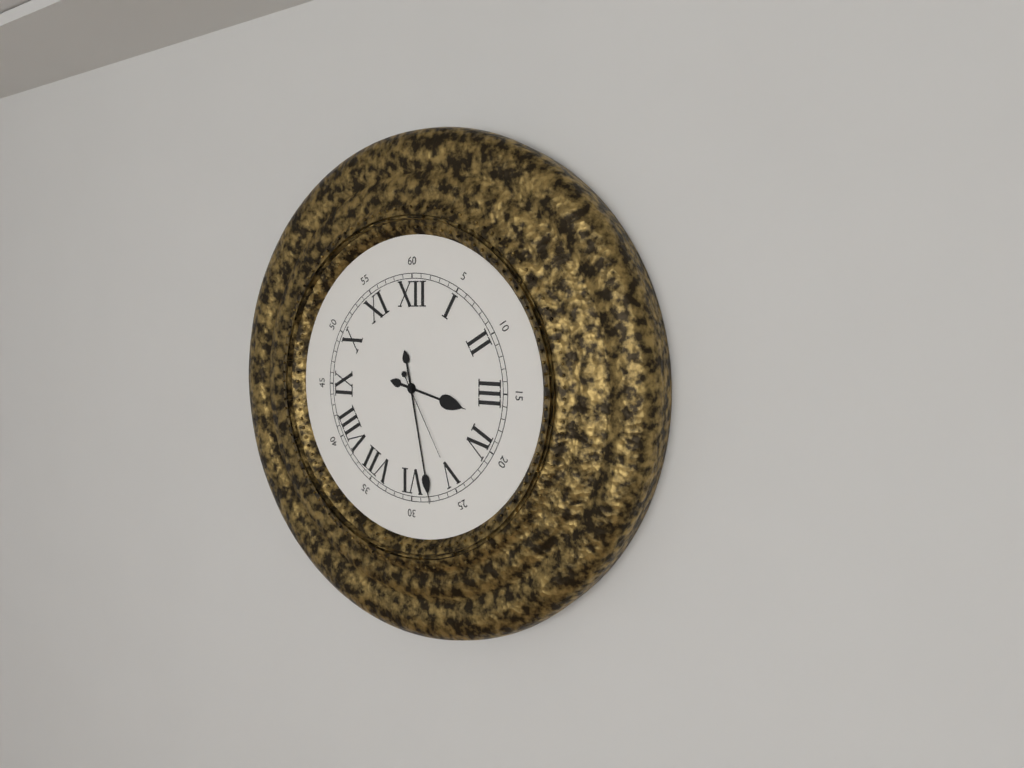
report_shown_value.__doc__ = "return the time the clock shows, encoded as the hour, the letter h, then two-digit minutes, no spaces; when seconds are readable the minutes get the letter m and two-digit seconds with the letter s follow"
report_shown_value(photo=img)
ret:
3h28m25s
